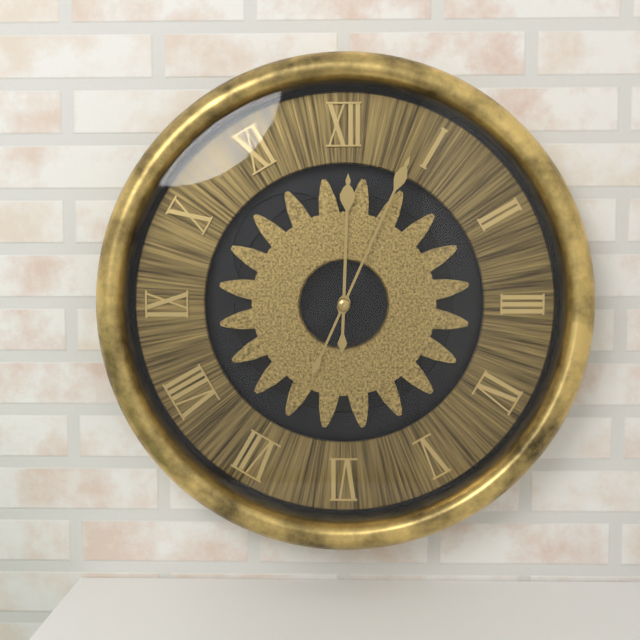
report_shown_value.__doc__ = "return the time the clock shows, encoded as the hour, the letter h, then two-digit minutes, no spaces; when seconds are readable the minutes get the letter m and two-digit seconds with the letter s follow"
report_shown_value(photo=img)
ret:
12h04
